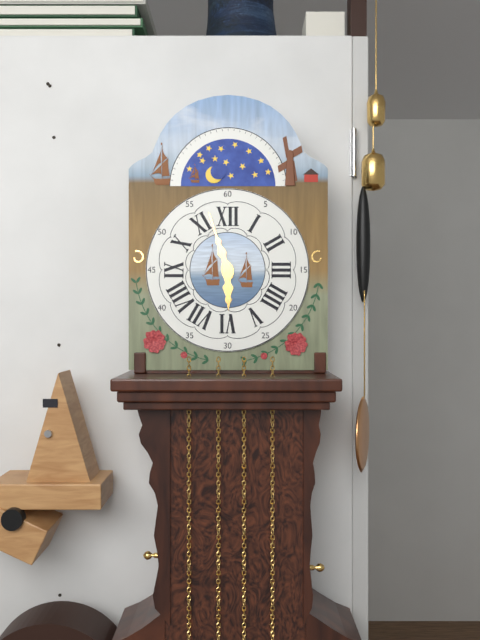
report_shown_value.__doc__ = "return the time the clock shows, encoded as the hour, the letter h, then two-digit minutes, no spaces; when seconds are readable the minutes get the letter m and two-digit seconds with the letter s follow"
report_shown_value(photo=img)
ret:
5h57
